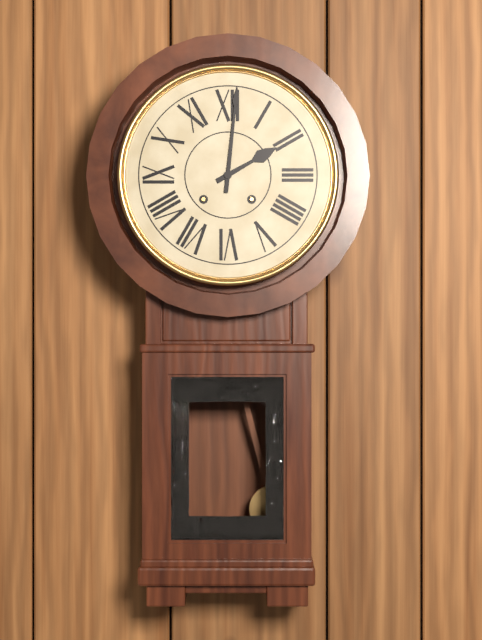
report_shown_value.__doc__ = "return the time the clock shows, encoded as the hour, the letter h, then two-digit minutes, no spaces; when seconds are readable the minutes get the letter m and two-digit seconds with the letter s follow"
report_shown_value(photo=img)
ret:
2h01
